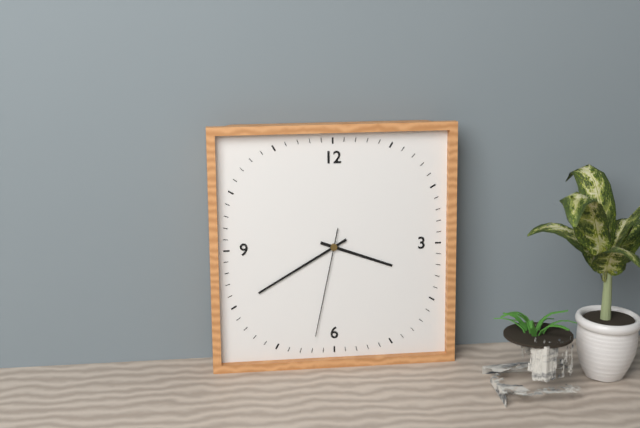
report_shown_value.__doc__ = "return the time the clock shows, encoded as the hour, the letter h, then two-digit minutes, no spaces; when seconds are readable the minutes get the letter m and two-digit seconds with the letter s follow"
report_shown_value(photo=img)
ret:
3h40m32s
